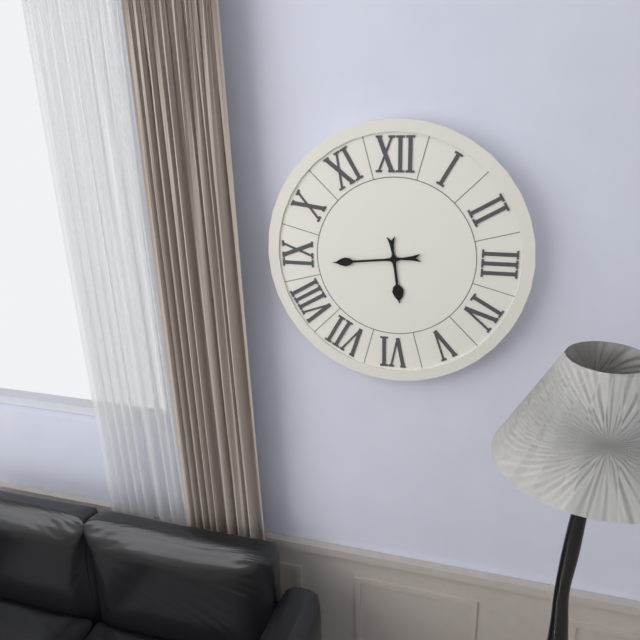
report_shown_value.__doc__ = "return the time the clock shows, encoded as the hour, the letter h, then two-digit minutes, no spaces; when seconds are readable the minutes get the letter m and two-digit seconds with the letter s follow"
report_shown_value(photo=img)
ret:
5h44
